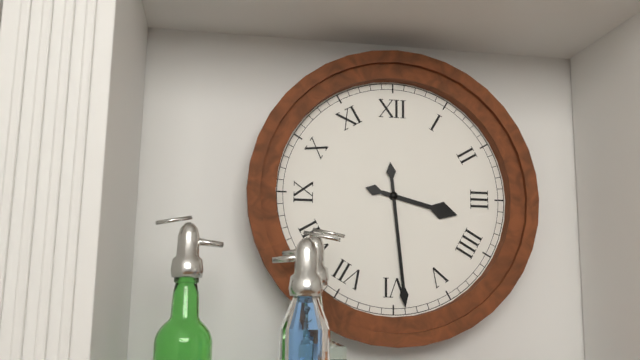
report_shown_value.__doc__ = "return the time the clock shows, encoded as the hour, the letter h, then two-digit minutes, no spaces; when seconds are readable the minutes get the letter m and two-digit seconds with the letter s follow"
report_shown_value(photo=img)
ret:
3h29
